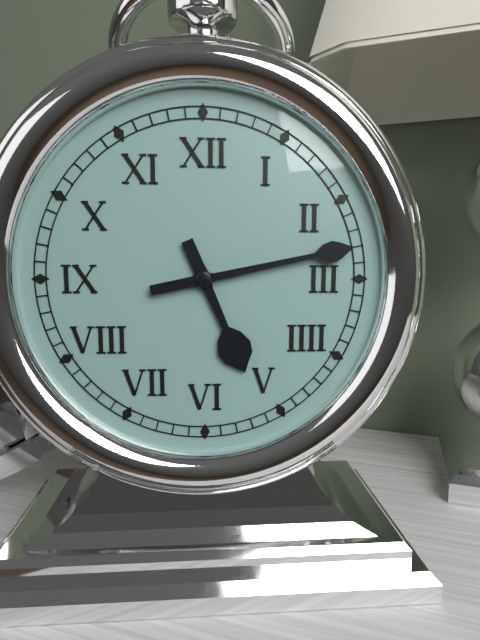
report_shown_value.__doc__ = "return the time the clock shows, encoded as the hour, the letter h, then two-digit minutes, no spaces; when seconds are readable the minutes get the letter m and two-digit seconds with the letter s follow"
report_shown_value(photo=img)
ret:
5h13
